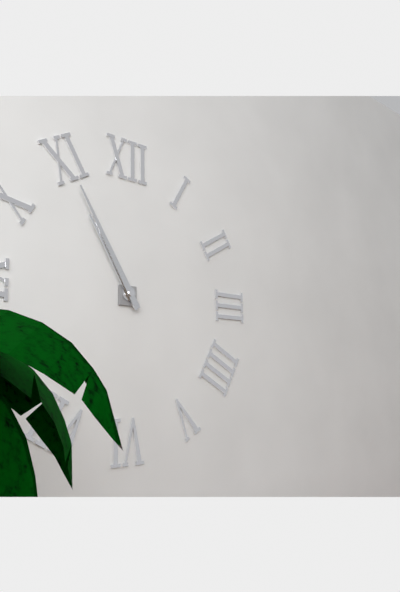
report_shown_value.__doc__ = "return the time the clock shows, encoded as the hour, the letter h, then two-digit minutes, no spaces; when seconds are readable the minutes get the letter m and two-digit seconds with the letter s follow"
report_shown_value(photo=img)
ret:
10h55
